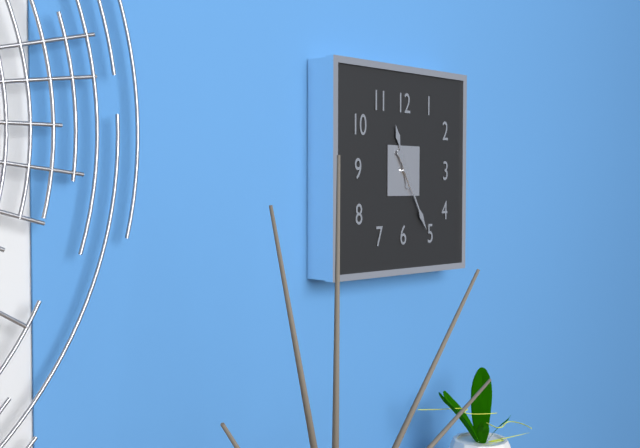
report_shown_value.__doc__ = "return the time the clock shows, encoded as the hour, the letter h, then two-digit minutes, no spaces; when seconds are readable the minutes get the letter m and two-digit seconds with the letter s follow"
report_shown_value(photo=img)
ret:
11h25
